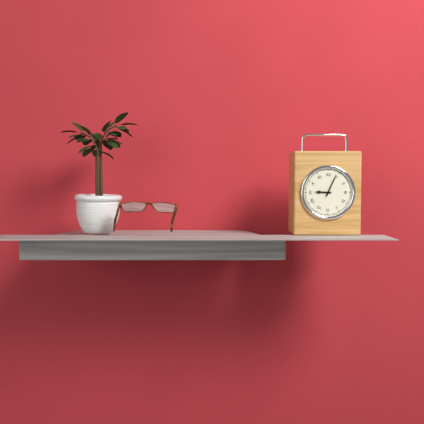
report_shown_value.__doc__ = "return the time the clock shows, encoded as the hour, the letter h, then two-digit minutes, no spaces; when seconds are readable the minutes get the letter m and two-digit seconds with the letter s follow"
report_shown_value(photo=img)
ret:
9h04
